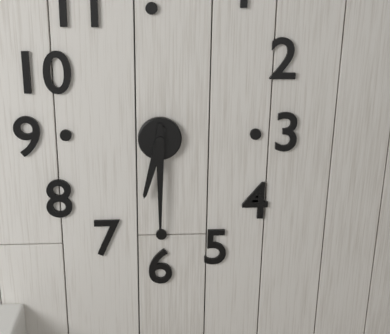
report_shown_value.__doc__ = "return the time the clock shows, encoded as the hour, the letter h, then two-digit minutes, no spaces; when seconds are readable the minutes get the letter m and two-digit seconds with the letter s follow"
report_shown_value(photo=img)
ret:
6h30
